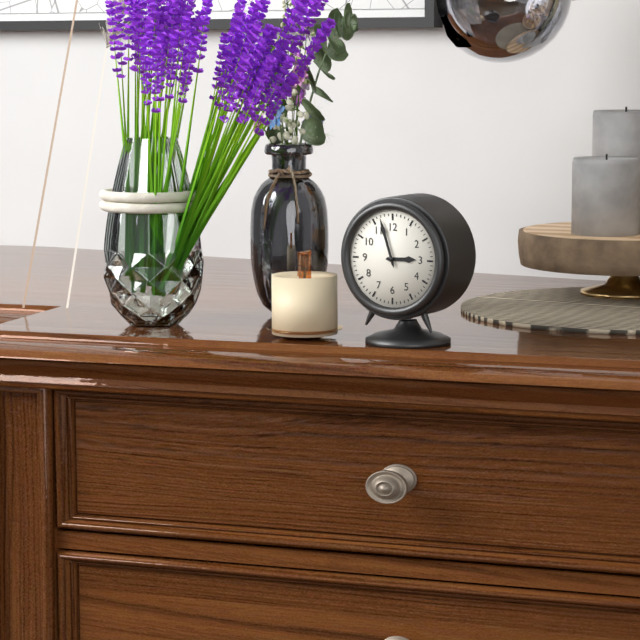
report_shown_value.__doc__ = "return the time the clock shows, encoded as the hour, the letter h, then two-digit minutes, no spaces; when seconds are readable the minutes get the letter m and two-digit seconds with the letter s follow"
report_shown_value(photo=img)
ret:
2h57
